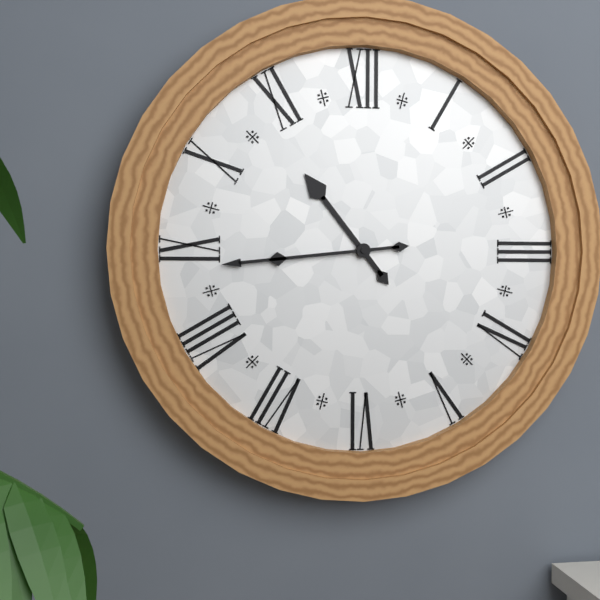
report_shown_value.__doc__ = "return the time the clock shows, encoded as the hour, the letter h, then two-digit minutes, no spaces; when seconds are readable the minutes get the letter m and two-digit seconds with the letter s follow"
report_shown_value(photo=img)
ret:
10h44
